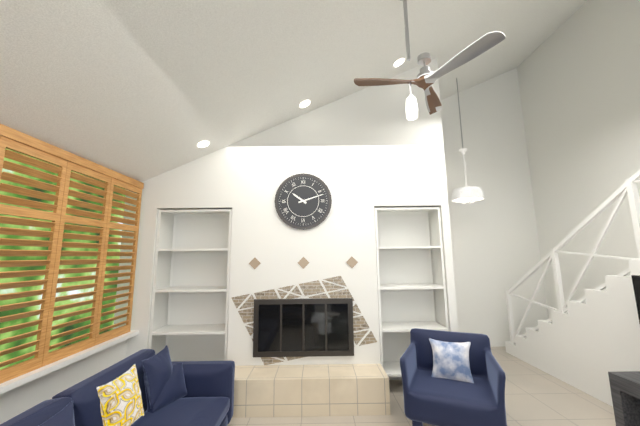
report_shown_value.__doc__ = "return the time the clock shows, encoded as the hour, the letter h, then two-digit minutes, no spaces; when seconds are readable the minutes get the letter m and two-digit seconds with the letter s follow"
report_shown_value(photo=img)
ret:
10h12
